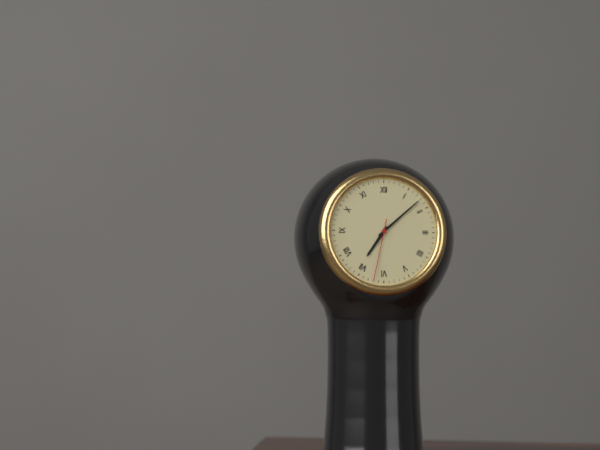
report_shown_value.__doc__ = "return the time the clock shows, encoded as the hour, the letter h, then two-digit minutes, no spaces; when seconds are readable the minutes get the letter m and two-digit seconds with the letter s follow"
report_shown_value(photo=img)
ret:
7h08m32s
